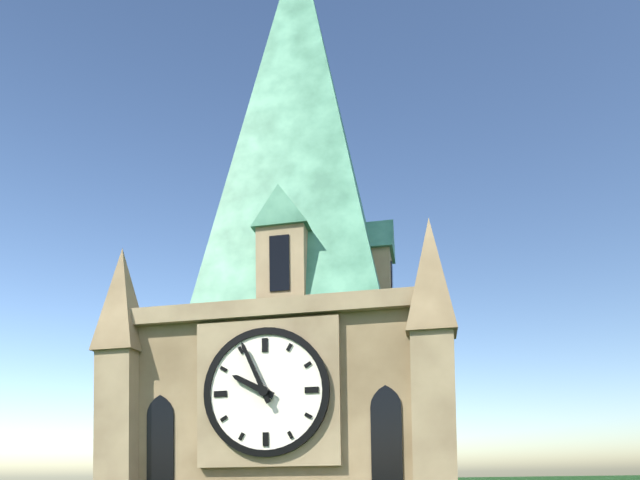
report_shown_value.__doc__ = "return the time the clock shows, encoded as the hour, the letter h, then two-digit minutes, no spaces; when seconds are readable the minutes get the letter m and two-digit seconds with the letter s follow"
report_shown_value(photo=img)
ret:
9h56
